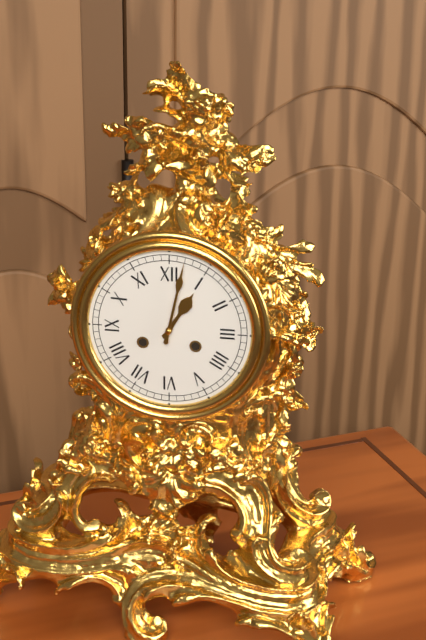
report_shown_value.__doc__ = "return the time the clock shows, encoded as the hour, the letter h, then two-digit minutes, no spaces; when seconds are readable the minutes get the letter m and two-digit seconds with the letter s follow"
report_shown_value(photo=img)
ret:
1h02
